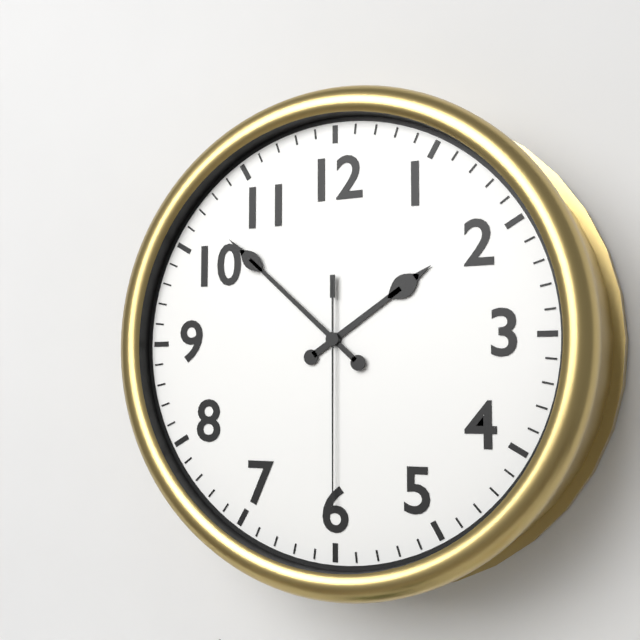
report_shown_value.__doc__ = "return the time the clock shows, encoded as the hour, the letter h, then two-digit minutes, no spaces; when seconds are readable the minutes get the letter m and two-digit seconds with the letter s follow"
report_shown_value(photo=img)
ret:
1h52m30s
